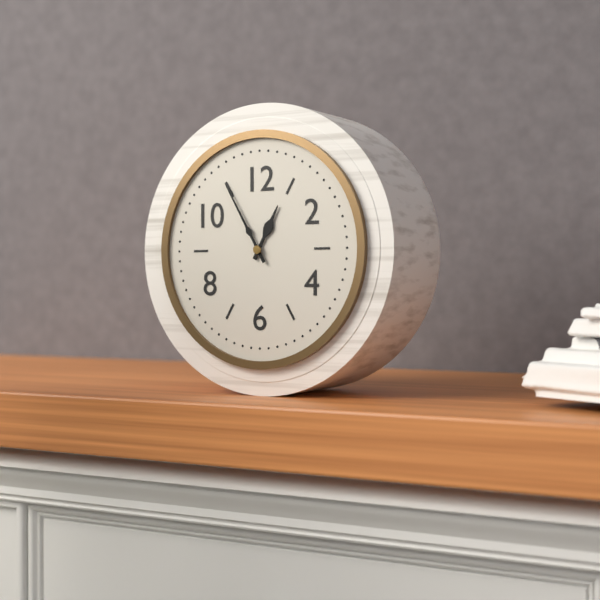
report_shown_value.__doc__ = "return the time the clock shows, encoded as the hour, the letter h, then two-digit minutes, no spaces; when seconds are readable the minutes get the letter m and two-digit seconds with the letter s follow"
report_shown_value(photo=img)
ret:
12h55
